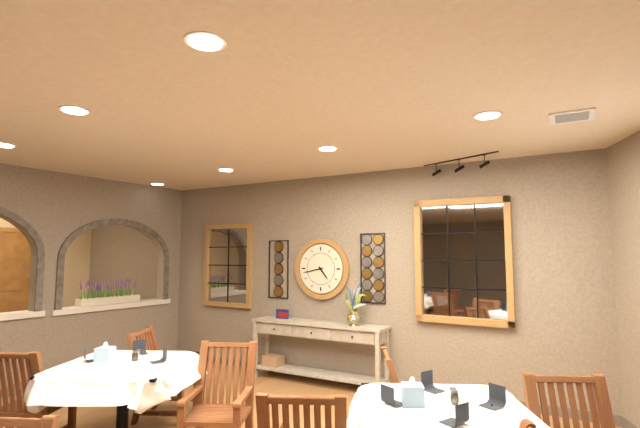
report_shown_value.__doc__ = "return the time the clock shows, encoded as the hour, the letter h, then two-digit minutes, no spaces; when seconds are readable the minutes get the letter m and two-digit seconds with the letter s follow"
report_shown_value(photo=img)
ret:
4h43
